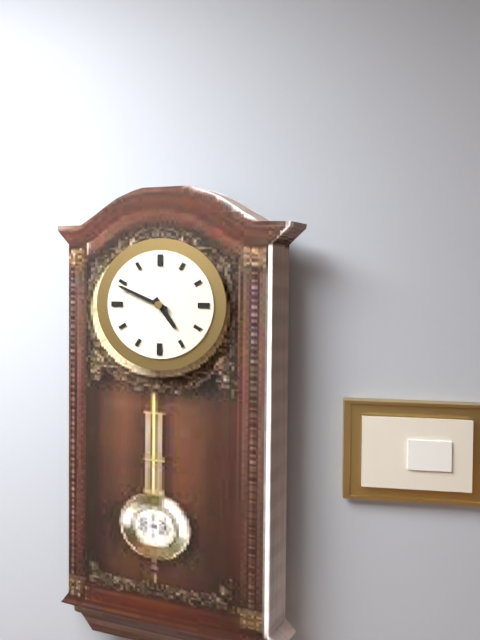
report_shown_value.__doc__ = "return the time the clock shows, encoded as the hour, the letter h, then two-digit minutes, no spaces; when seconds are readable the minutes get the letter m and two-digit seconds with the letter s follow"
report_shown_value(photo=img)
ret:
4h49
